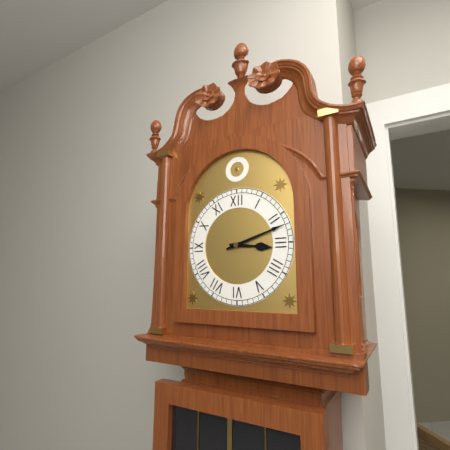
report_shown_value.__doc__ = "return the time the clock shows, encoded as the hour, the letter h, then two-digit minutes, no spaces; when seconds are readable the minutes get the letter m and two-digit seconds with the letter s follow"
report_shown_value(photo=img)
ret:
3h12
